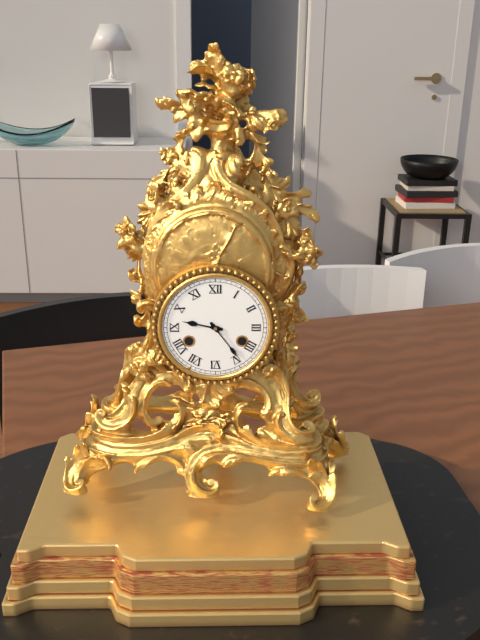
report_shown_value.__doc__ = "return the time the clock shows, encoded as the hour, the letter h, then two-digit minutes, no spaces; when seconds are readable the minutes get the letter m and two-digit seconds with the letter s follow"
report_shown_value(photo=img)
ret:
9h24
